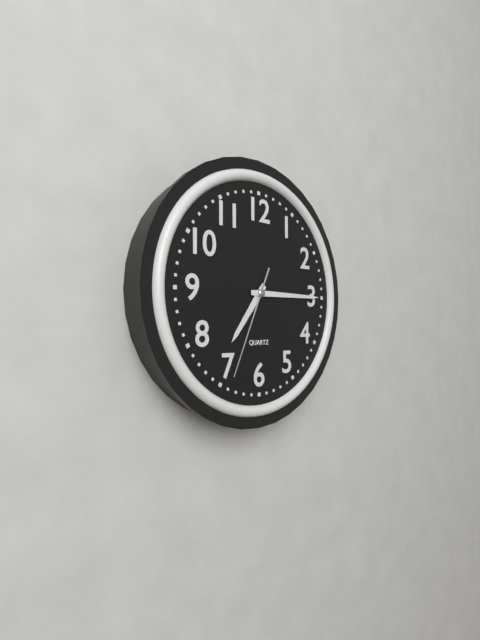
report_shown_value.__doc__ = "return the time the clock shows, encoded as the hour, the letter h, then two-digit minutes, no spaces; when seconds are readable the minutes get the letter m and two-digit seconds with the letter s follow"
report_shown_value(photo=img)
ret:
7h15m34s
